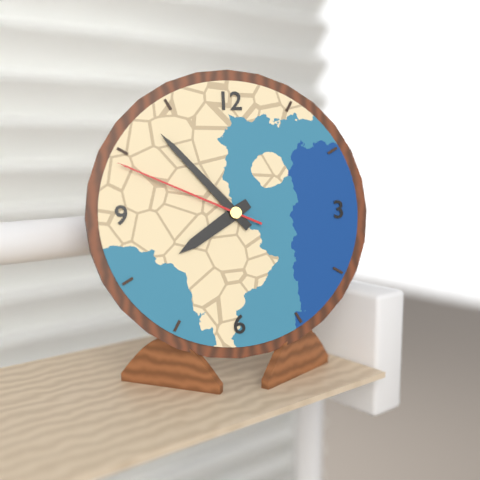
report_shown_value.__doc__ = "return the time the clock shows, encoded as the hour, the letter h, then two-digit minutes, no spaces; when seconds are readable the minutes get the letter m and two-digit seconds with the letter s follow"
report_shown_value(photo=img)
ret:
7h53m49s
